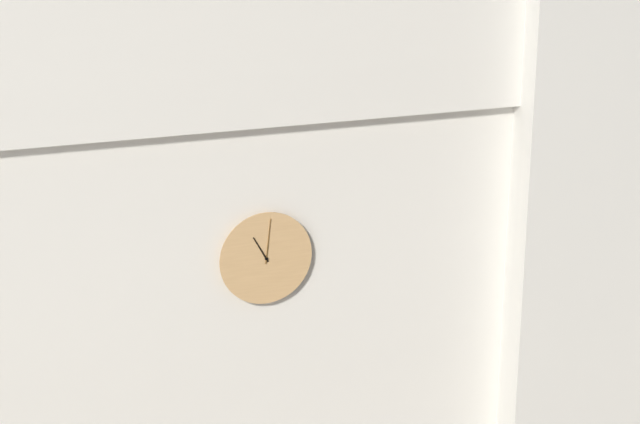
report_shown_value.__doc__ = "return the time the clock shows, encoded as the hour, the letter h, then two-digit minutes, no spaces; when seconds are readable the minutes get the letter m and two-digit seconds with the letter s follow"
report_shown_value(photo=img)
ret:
11h01
